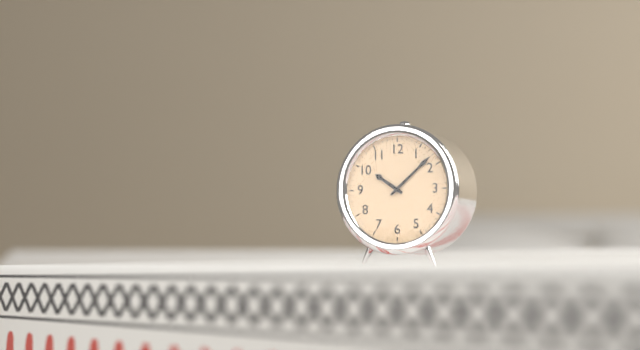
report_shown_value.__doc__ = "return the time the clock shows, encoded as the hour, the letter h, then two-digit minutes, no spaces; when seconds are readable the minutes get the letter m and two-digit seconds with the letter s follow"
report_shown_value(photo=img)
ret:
10h08
